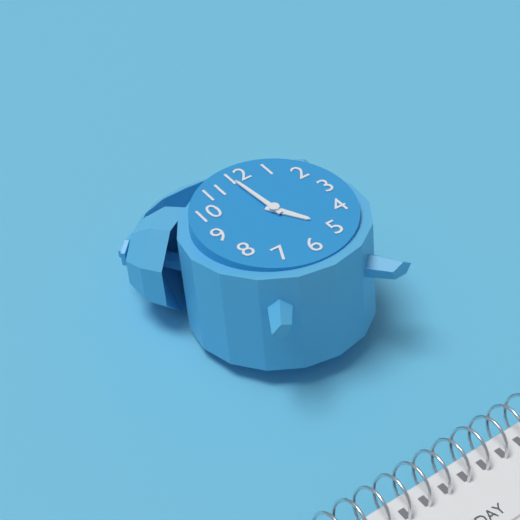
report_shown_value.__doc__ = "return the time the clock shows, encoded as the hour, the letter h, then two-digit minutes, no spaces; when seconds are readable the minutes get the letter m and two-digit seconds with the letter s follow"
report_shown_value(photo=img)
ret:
4h59
